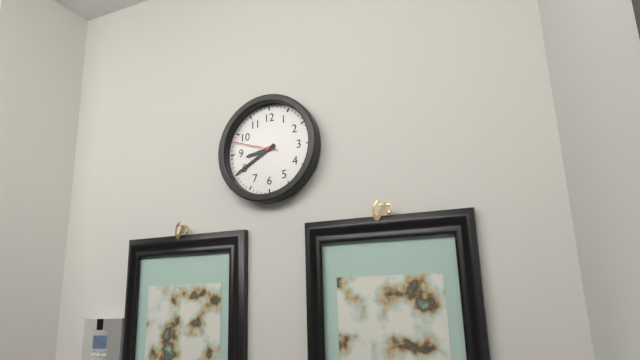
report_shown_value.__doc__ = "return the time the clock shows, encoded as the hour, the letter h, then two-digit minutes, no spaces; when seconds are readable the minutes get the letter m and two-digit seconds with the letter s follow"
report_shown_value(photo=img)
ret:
8h40m48s
